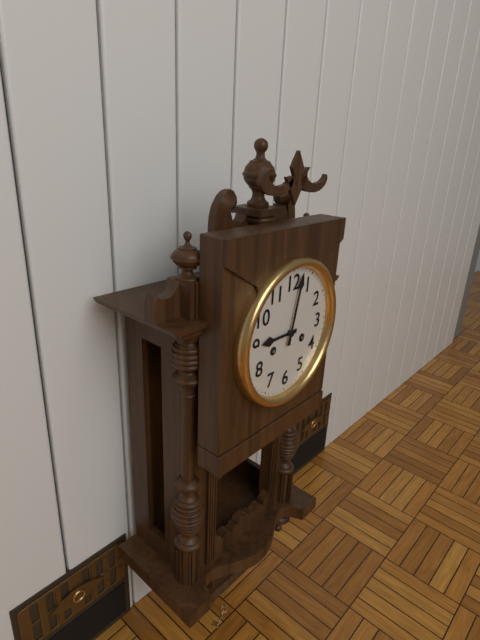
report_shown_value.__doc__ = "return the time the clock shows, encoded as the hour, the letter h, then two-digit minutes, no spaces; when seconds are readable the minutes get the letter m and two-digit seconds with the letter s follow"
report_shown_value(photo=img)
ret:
9h02
